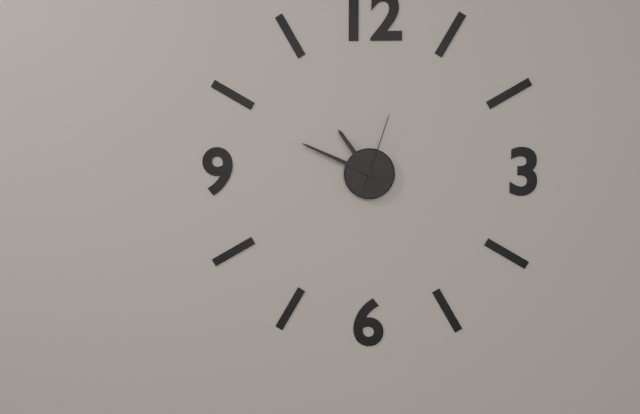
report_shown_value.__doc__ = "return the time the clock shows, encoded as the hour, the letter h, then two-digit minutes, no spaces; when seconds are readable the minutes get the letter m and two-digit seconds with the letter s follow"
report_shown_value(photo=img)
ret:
10h49m03s
